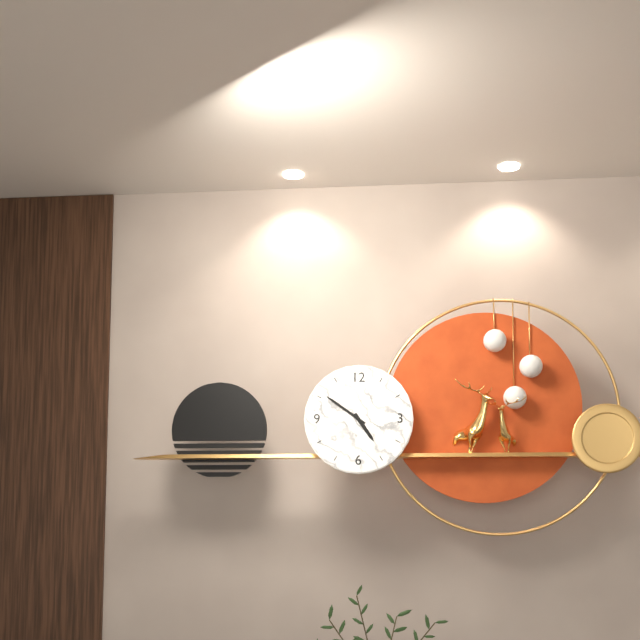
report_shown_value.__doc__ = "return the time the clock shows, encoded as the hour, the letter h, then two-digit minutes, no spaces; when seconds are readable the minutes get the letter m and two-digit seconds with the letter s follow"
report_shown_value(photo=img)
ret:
4h51
